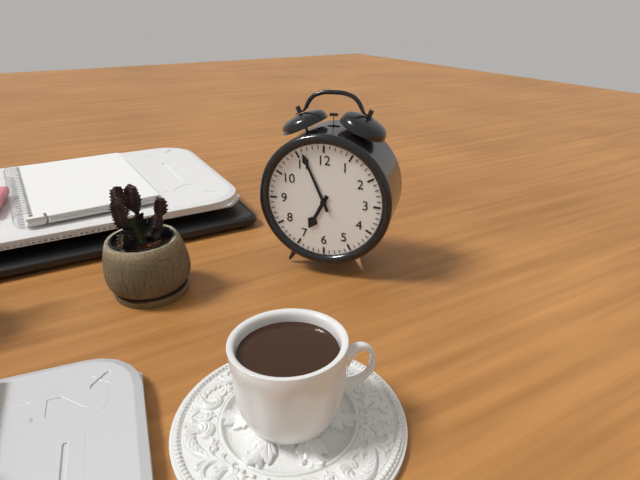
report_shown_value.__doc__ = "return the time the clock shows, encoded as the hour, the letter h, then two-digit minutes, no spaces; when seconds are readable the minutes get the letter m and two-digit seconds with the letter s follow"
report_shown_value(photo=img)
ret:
6h56
